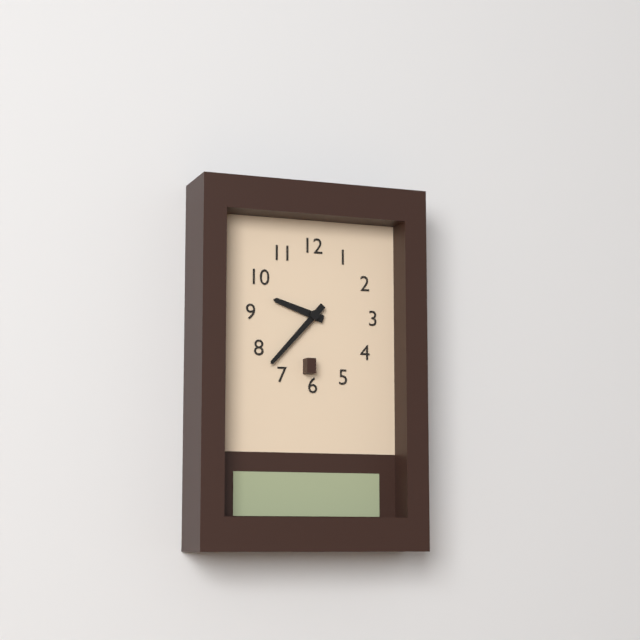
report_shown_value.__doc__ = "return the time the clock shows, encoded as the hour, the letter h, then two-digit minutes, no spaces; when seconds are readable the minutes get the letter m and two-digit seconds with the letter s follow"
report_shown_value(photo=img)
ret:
9h37
